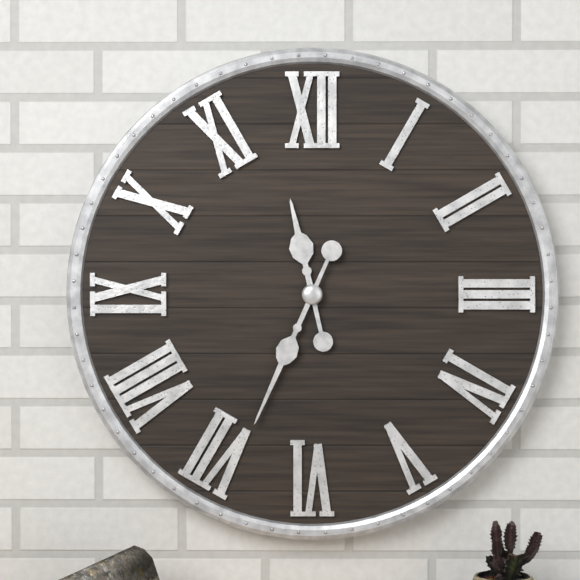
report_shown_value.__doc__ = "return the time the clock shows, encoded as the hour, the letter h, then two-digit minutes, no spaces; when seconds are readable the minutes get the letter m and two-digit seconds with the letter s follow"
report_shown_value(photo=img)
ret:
11h34
